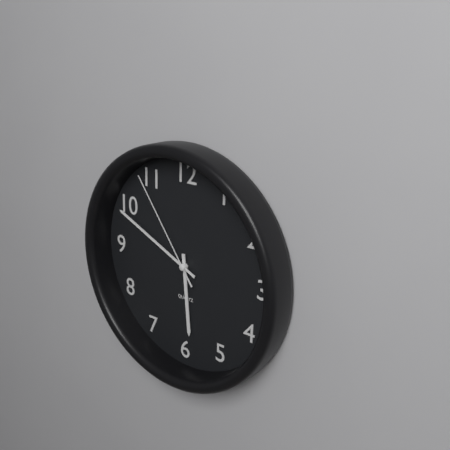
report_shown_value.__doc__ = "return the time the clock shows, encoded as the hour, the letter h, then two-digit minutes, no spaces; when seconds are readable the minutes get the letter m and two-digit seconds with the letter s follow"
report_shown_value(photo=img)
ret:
5h49m54s
